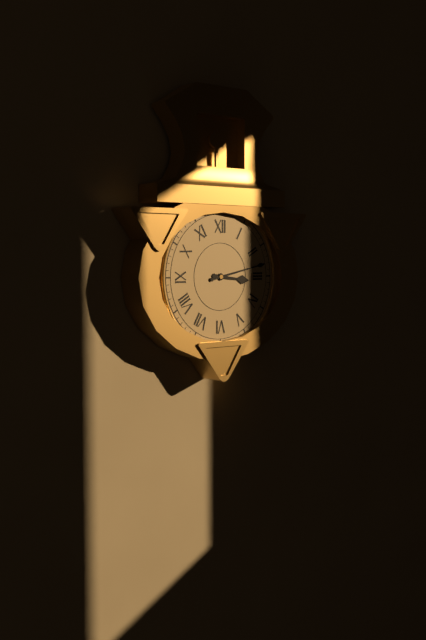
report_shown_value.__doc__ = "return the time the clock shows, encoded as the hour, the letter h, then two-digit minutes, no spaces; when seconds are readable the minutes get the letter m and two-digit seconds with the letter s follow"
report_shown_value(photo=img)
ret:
3h13
